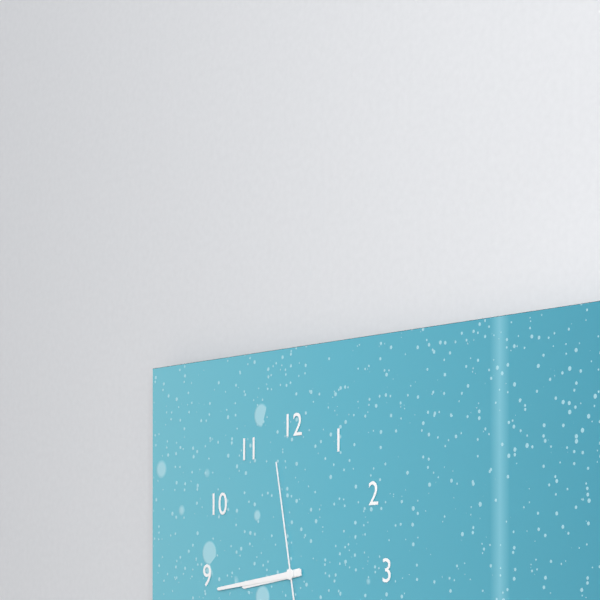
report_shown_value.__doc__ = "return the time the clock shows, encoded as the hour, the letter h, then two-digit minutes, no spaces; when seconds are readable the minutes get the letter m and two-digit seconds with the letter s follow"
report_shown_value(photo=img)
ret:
8h44m58s
